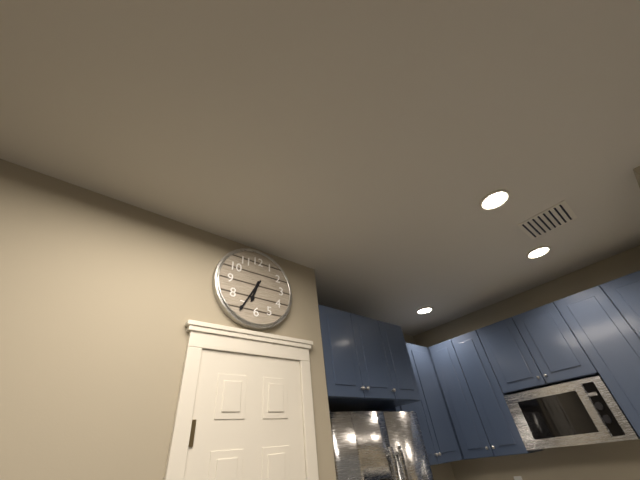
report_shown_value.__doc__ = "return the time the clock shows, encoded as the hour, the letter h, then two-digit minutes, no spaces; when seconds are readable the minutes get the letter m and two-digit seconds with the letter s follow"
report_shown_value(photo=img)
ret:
6h35
